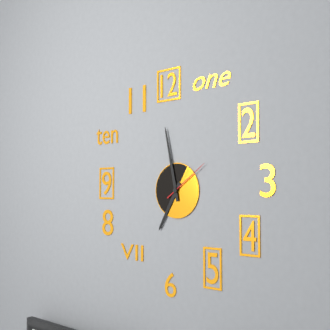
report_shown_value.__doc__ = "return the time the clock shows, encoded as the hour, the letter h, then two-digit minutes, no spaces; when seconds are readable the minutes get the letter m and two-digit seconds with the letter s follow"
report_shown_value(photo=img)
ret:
6h58m09s
